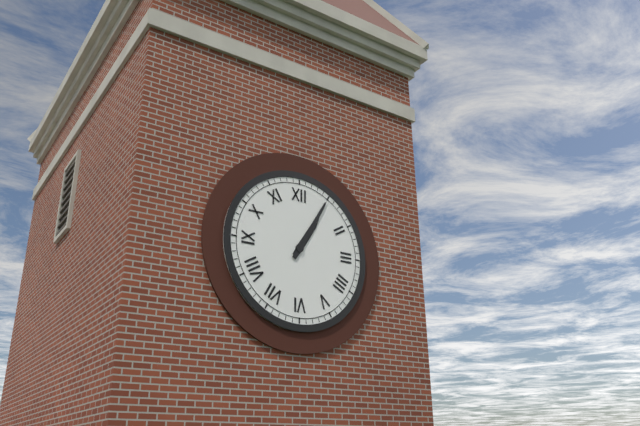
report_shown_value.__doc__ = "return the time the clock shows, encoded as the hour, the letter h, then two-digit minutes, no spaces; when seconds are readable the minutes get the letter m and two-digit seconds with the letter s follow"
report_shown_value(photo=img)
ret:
1h05
